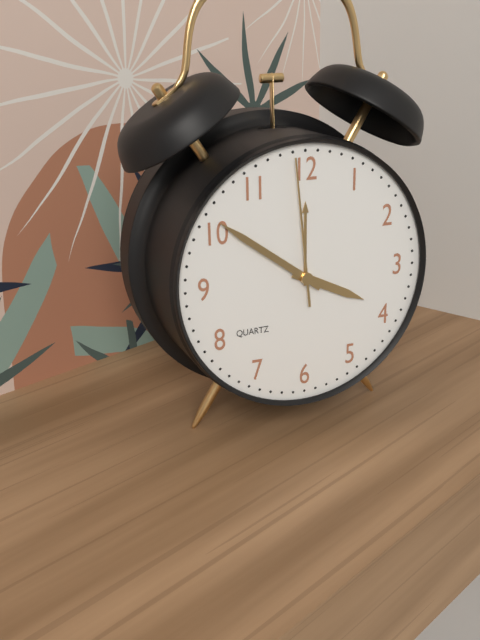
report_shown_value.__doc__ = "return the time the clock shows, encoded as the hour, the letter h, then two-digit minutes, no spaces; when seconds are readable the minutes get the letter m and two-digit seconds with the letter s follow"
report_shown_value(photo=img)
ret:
3h51m59s
